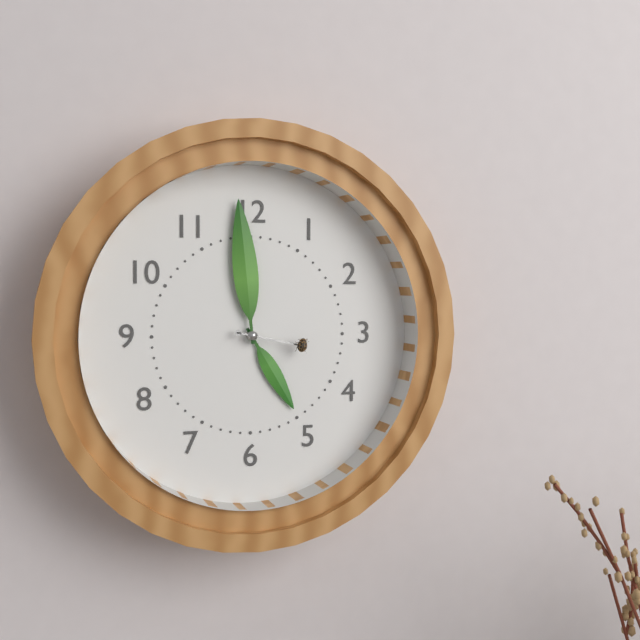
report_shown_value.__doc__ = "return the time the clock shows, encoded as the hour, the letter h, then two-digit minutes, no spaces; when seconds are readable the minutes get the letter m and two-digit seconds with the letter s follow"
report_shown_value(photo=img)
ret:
4h59m17s
